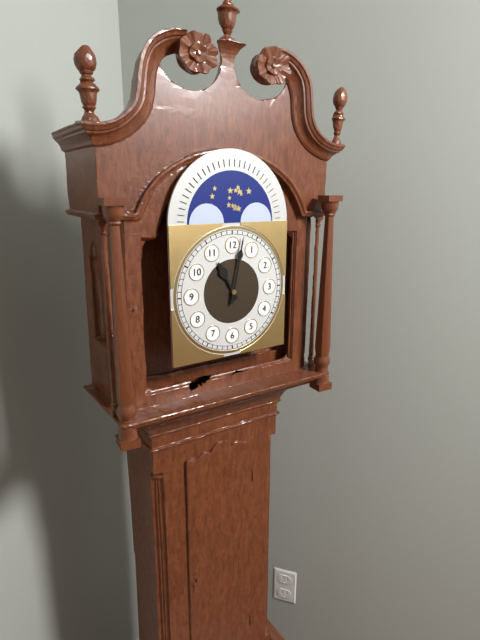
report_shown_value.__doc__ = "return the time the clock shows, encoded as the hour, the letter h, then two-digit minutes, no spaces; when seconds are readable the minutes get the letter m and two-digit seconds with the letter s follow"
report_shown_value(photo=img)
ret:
11h02
